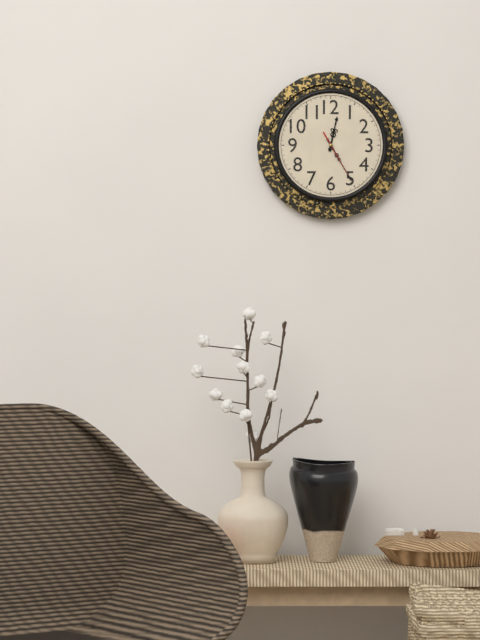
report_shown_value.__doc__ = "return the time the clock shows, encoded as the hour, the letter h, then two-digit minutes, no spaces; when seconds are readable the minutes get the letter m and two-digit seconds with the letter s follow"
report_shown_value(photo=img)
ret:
12h25
